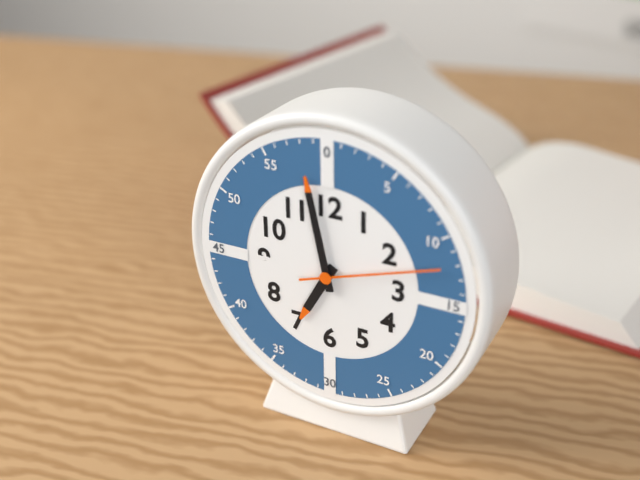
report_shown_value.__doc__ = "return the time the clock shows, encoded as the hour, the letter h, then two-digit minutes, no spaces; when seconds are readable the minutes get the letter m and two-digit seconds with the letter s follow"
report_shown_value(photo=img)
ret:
6h58m12s
